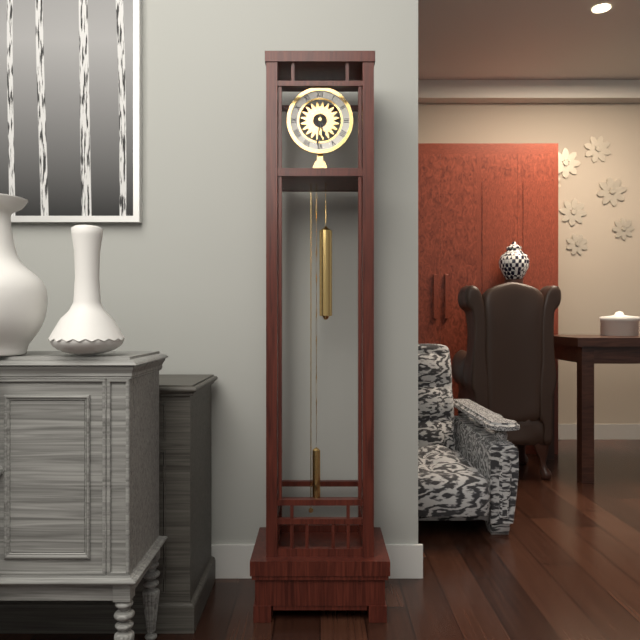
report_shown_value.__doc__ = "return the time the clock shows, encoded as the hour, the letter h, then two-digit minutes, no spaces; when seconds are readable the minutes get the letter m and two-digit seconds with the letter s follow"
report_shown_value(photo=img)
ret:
5h31
